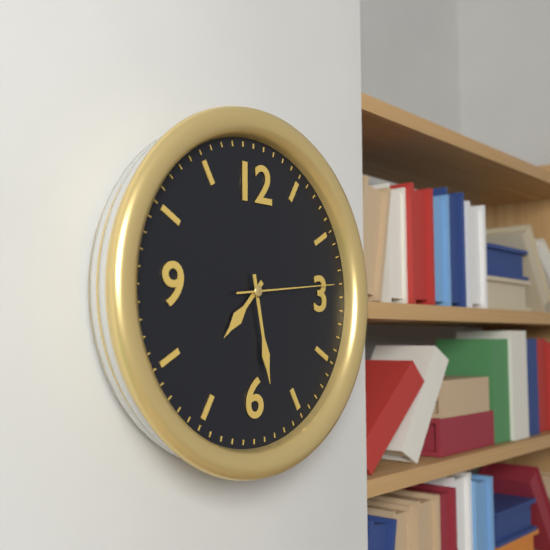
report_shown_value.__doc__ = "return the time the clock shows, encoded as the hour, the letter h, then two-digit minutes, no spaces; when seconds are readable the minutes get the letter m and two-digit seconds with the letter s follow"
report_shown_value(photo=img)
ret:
7h28m14s
